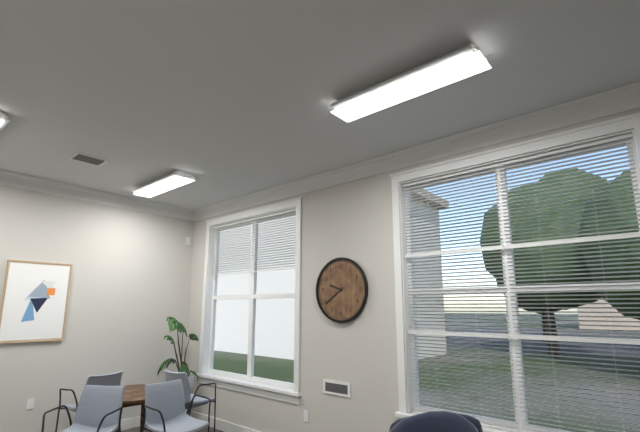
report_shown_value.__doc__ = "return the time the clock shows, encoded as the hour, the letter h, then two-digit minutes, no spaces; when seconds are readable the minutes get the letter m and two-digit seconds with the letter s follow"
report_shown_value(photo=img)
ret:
9h39
